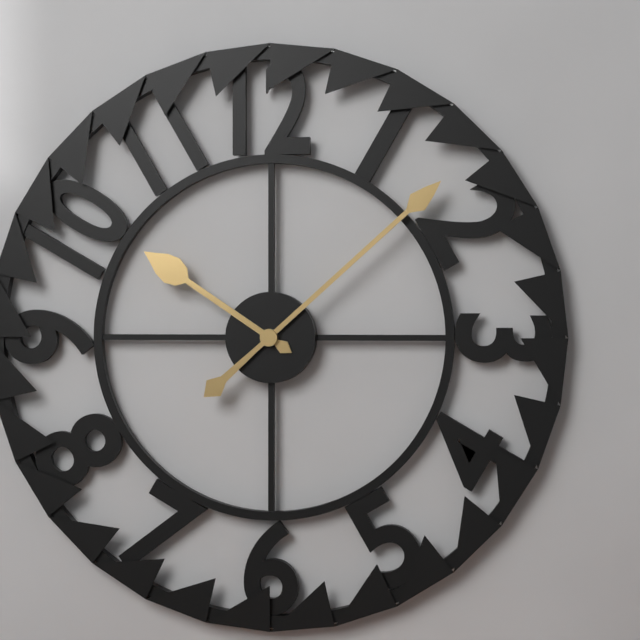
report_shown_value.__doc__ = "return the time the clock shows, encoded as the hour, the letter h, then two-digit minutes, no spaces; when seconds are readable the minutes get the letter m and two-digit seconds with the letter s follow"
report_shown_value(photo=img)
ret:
10h08
